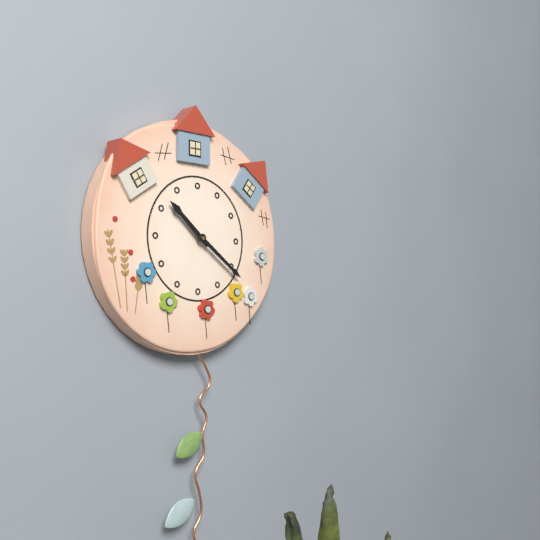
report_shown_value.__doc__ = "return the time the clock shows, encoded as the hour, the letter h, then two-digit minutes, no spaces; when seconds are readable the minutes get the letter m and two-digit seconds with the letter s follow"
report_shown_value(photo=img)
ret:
10h21
